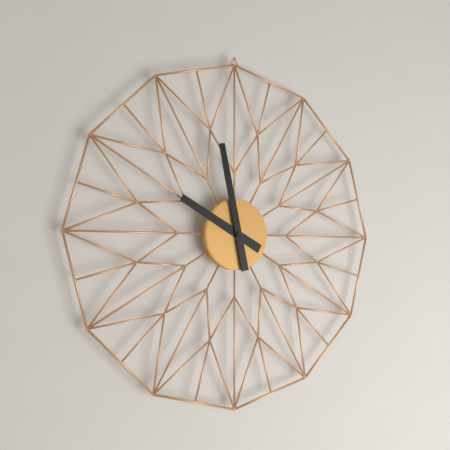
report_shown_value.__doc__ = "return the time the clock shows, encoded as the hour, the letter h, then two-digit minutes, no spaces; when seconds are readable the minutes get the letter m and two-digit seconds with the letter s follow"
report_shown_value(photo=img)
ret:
9h58
